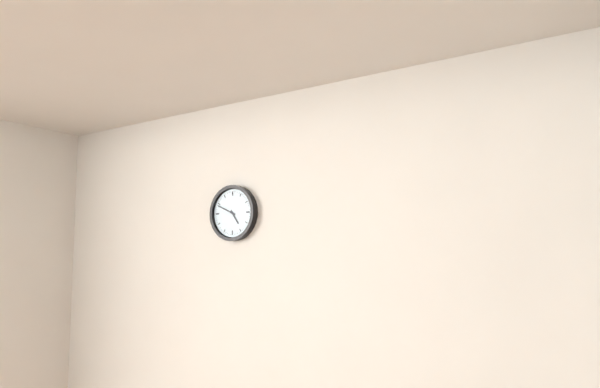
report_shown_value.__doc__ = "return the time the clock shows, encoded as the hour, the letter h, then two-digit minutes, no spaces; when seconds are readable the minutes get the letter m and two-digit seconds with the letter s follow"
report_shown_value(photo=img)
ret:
4h49
